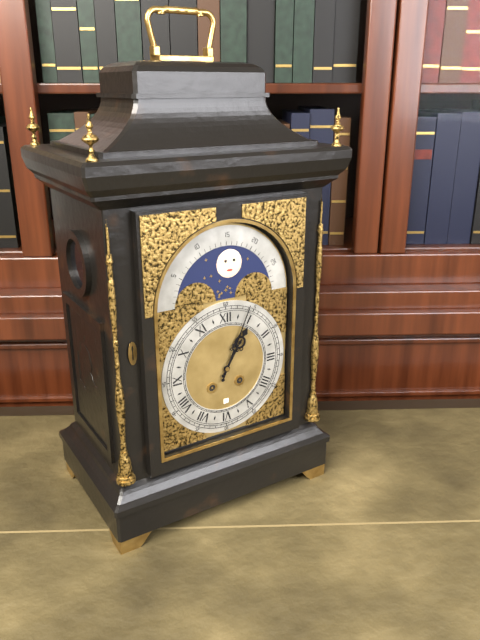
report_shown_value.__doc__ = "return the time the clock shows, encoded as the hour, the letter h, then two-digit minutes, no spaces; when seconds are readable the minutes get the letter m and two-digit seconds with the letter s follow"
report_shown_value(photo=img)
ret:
1h04
